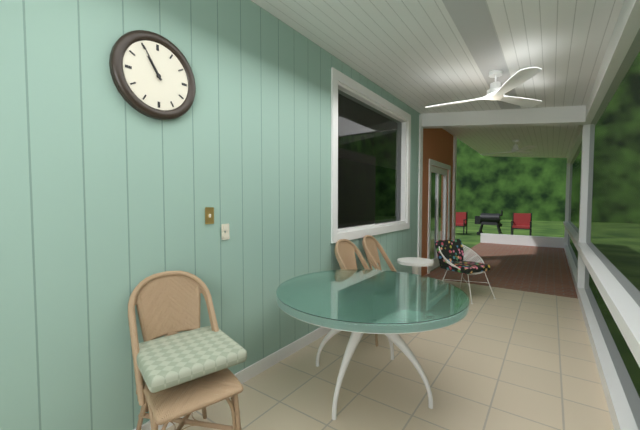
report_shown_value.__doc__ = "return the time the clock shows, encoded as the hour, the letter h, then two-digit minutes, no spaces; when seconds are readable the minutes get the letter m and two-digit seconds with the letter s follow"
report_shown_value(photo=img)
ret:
10h55
